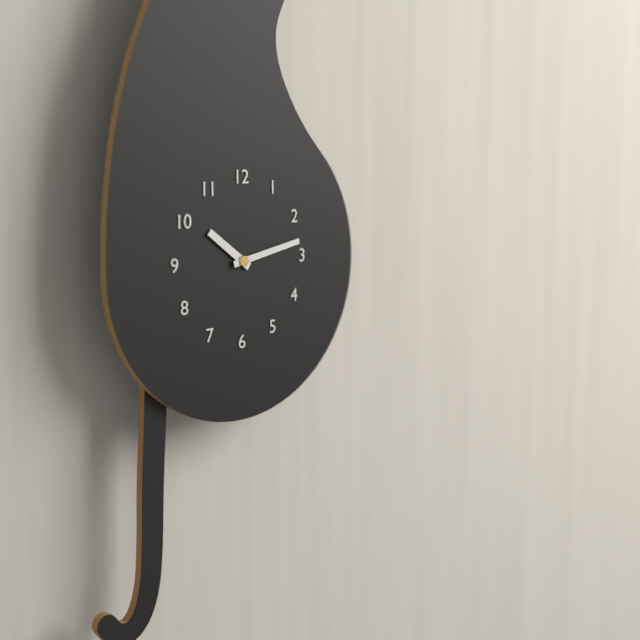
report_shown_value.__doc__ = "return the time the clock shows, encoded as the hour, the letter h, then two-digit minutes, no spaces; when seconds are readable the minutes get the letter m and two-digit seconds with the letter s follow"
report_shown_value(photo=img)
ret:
10h13
